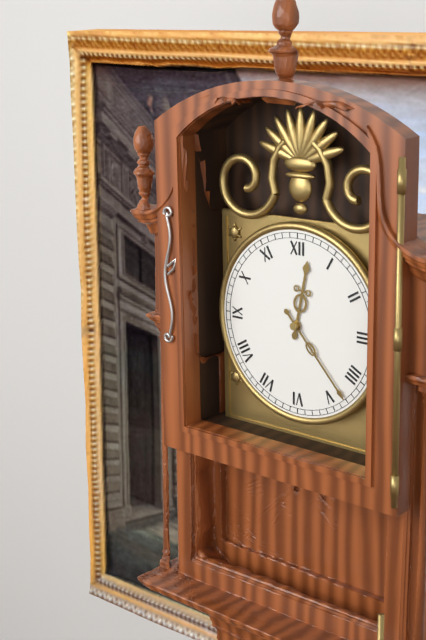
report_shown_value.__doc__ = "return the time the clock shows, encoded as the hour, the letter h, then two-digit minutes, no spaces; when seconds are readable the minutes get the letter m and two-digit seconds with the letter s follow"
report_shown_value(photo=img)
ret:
12h23
